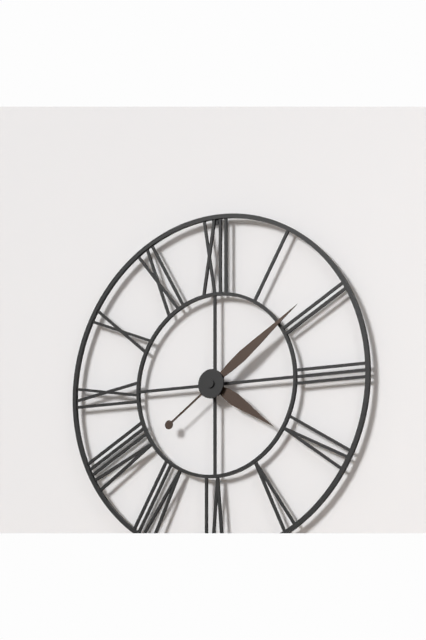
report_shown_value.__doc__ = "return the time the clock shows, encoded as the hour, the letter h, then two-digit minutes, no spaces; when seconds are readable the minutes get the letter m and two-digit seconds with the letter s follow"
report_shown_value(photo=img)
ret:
4h09
